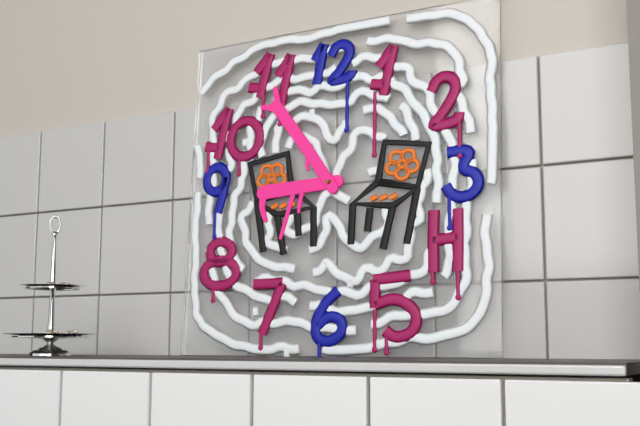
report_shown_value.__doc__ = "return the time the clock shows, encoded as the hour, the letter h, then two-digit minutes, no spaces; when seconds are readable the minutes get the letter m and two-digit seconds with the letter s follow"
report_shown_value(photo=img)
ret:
8h54
